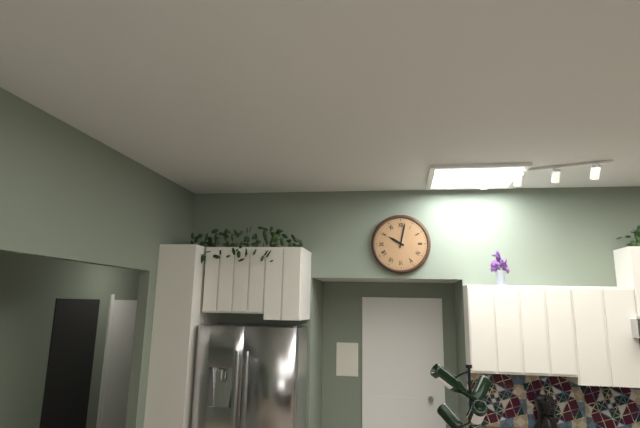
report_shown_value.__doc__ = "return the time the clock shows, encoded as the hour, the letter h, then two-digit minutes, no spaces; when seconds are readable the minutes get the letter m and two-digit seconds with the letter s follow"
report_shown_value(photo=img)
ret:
10h02
